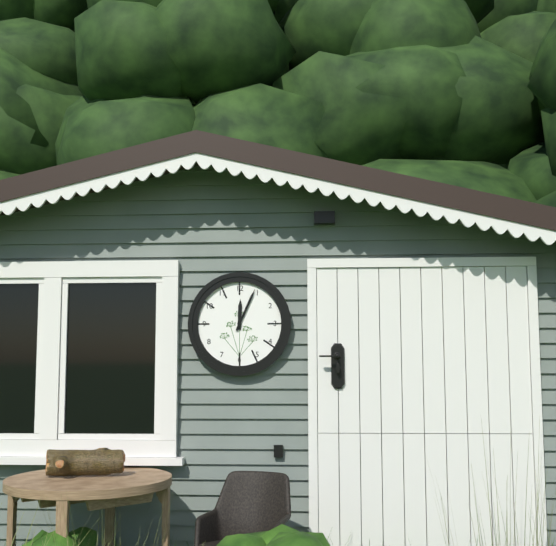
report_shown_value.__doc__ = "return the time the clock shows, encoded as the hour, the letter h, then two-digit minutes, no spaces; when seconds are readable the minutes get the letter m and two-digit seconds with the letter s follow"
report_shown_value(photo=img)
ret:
12h04
